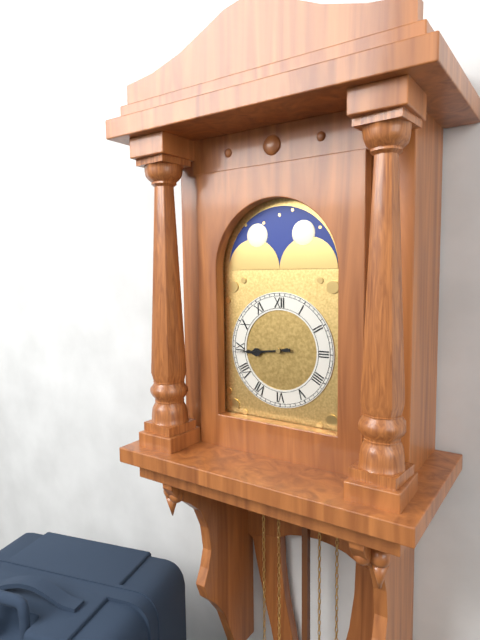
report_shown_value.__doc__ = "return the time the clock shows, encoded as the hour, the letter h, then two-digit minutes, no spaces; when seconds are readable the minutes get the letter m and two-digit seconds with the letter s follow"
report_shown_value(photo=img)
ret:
8h44
